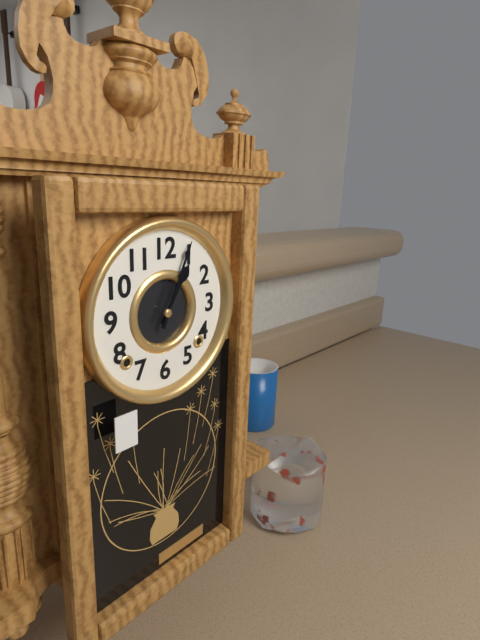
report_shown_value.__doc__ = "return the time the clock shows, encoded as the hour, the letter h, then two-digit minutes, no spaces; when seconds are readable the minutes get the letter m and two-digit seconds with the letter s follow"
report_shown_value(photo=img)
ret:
1h04
